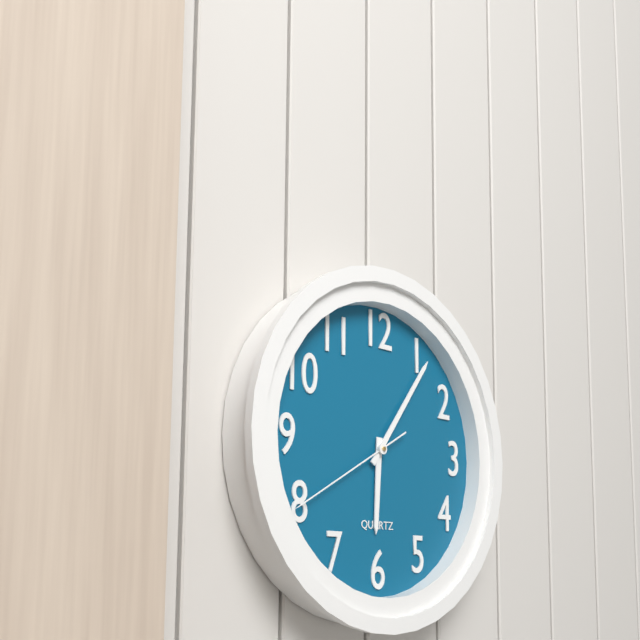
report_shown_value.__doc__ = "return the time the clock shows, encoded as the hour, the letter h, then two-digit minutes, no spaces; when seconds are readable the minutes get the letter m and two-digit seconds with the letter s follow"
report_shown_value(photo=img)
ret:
6h06m40s
